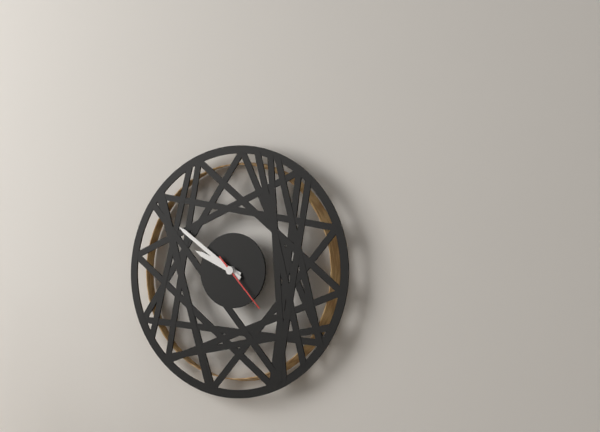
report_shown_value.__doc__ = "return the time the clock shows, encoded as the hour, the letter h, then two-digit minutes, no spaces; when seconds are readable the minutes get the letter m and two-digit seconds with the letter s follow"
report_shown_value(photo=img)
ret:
9h51m23s
